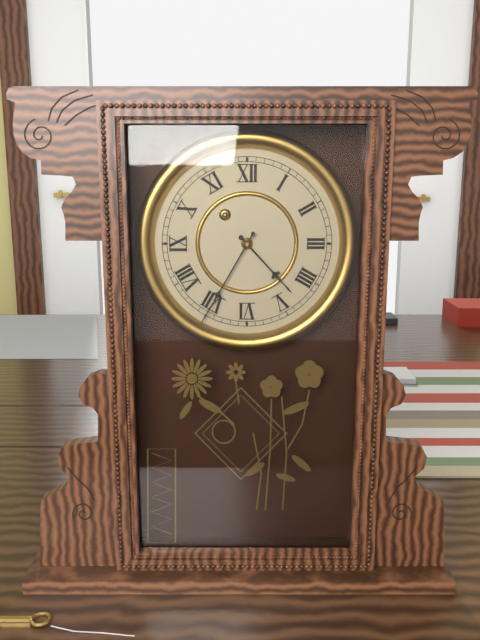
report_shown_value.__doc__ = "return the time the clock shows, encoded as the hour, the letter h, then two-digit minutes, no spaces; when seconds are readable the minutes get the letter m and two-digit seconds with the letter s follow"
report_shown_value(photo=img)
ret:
4h35
